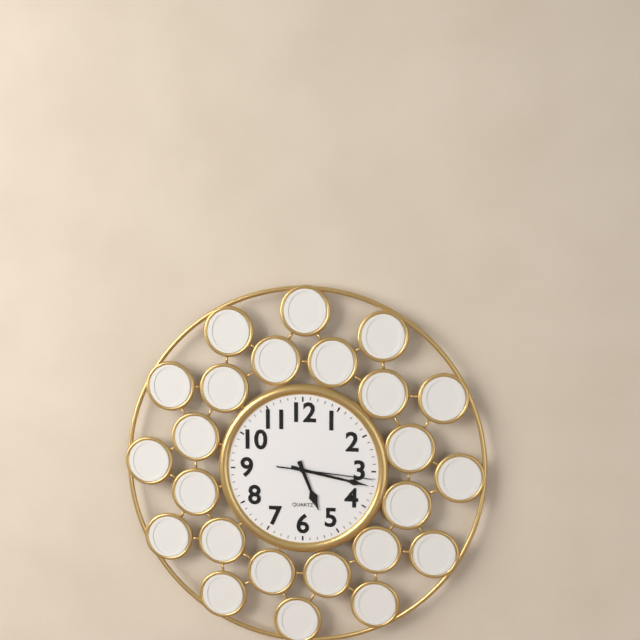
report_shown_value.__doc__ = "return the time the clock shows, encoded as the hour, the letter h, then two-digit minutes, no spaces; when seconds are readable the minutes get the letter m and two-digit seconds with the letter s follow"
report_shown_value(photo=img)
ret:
5h17m16s
